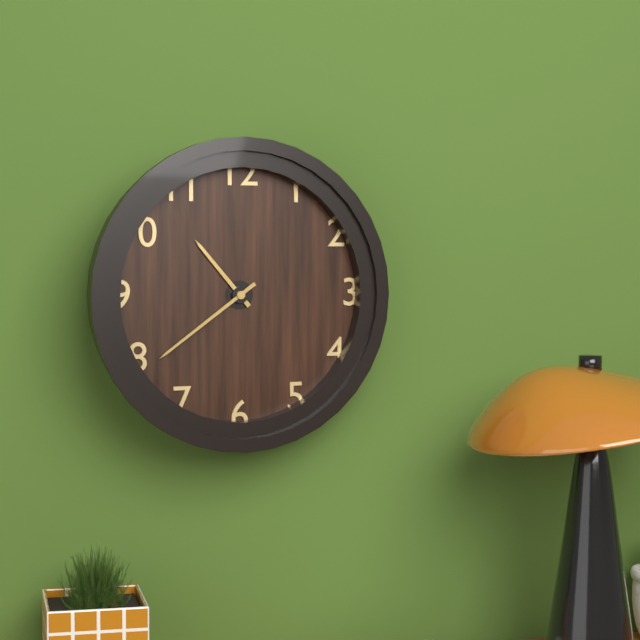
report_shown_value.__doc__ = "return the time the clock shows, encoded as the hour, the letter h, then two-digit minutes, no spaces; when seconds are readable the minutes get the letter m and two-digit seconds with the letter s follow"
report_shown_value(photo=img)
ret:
10h39
